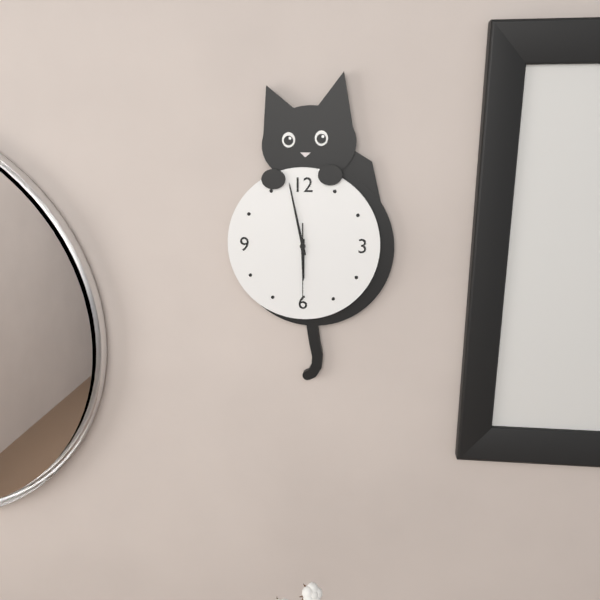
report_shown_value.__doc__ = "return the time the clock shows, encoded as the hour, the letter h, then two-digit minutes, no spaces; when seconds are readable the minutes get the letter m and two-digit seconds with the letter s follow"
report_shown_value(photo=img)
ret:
5h58m30s
